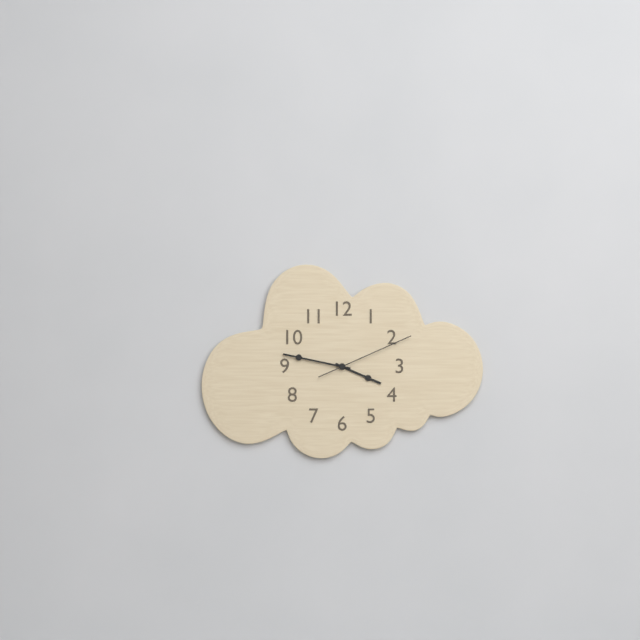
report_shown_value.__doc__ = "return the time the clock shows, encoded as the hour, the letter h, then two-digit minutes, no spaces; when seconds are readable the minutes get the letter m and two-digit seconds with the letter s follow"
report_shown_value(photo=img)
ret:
3h47m11s
